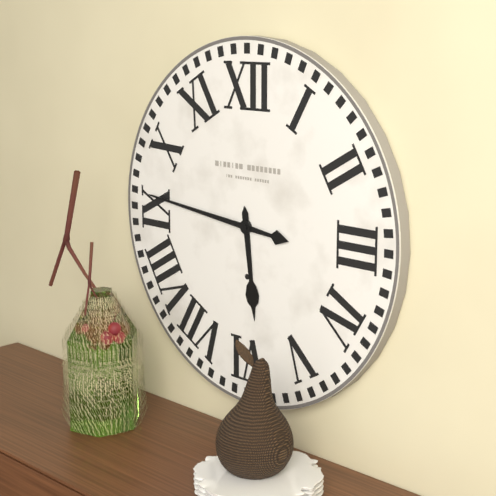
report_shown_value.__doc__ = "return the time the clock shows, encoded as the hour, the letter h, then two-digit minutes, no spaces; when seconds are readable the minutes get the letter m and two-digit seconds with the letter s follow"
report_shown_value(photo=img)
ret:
5h46
